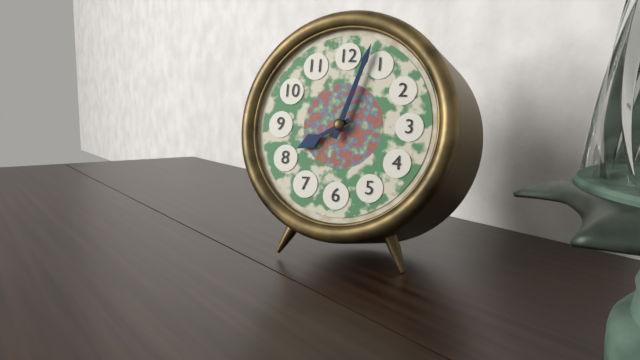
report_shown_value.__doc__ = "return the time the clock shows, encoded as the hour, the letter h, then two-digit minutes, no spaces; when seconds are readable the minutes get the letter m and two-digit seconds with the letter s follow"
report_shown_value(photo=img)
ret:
8h03
